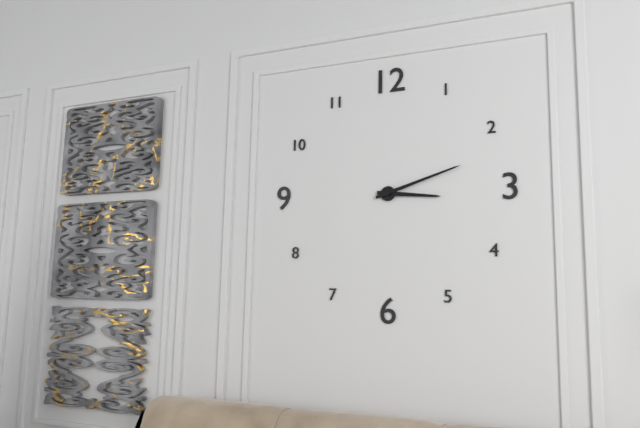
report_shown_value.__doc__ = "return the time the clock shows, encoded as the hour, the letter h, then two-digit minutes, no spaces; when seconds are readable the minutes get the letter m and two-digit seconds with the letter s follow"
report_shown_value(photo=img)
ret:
3h12
